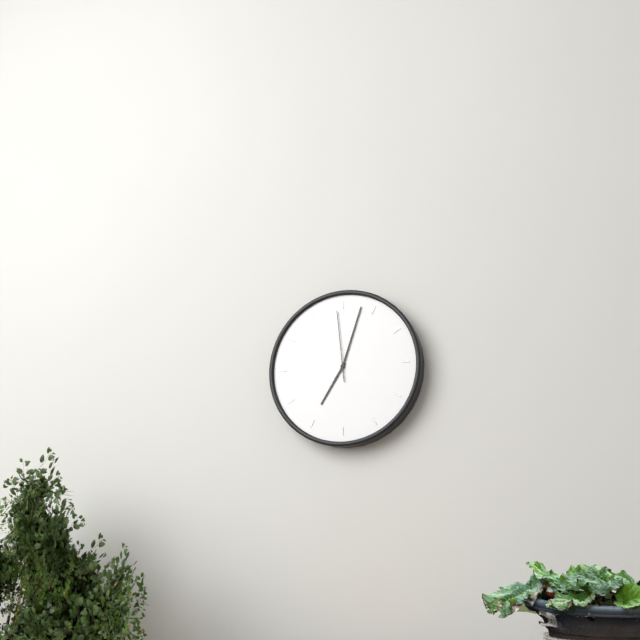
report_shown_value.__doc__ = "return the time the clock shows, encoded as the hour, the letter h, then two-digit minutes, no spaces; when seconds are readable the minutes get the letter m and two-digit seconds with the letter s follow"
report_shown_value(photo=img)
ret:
7h03m59s
